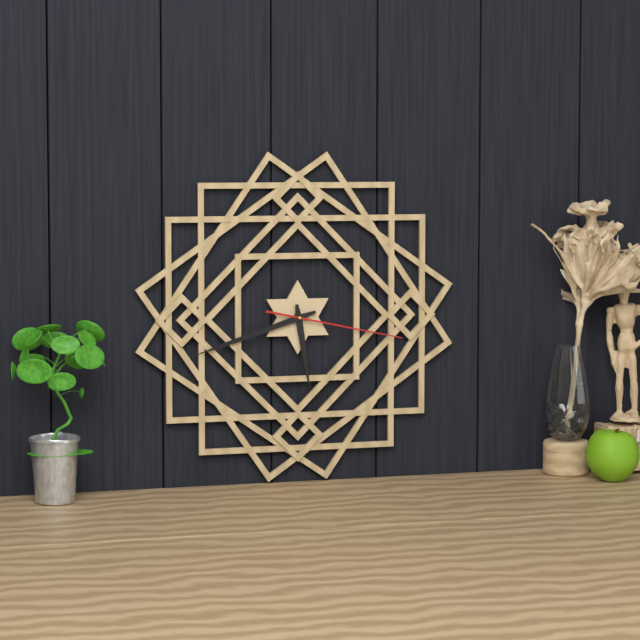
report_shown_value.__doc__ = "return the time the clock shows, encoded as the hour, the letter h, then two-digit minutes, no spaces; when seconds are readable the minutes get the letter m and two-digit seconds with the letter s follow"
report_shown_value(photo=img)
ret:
5h42m17s
